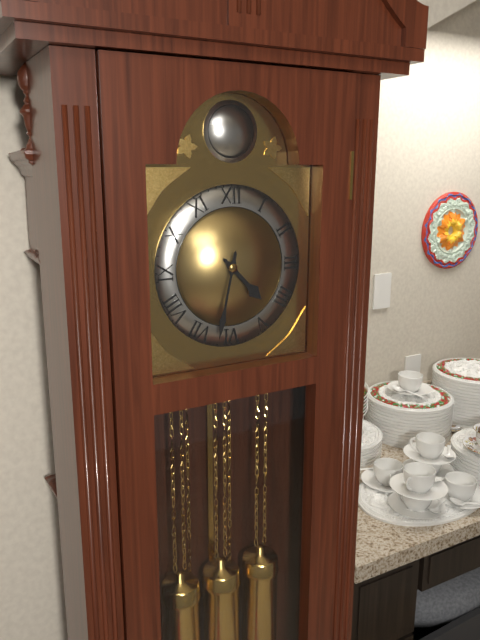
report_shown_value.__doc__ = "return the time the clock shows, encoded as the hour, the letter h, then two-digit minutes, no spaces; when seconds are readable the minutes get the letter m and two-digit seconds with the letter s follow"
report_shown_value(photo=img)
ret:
4h32
